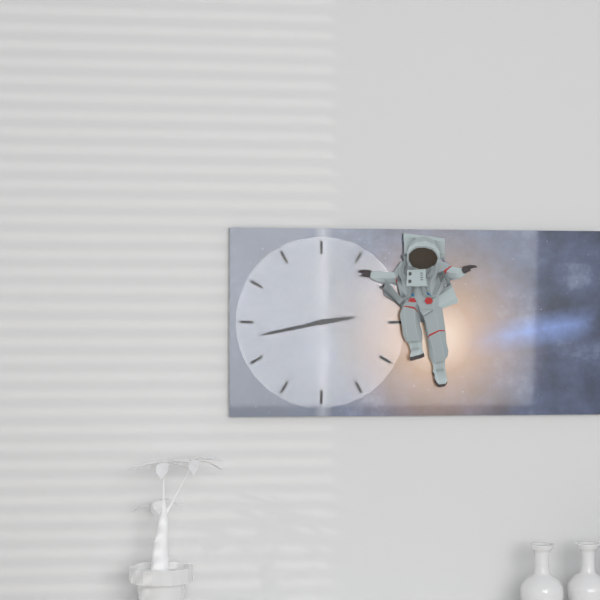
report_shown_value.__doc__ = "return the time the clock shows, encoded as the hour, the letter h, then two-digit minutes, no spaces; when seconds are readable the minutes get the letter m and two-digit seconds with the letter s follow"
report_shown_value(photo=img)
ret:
2h43
